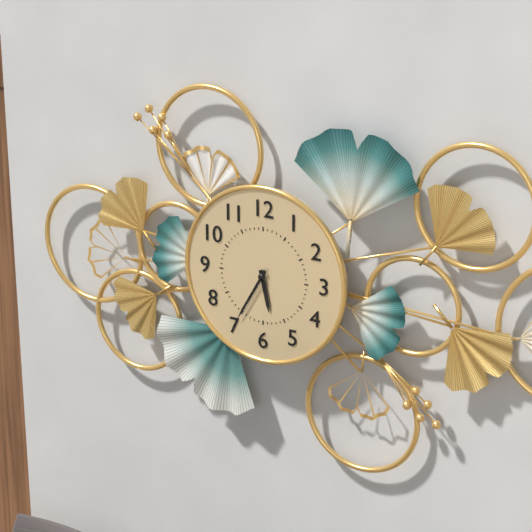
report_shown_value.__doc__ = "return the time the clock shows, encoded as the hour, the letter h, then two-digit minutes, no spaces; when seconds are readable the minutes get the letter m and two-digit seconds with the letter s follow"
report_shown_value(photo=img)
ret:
5h35
